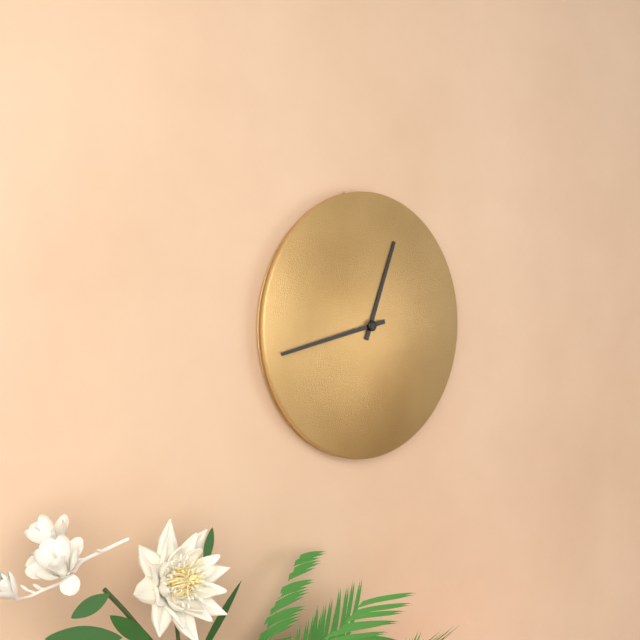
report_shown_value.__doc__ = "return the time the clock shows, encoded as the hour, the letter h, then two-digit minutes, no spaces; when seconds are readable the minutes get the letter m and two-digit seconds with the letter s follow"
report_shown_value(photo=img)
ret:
12h43
